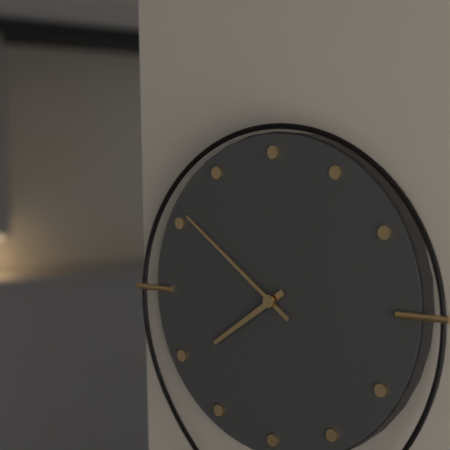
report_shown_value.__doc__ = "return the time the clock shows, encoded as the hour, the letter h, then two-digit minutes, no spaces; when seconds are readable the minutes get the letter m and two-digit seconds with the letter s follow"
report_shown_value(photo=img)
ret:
7h51
